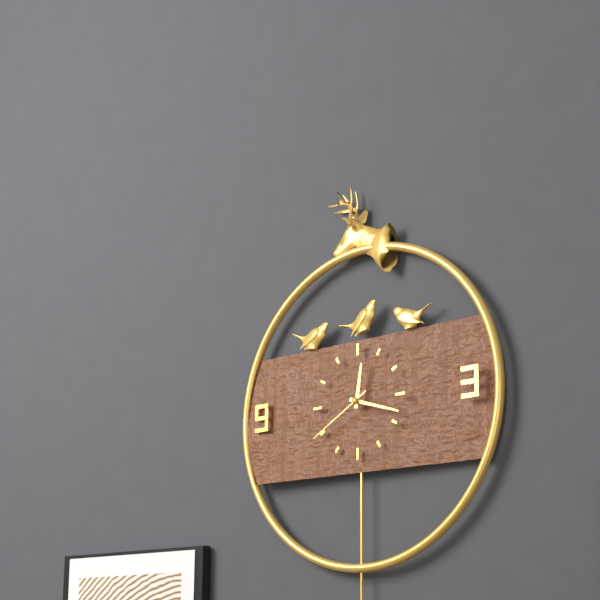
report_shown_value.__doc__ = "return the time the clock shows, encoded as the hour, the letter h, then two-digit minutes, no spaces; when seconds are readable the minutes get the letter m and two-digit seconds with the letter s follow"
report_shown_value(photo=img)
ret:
12h18m40s
